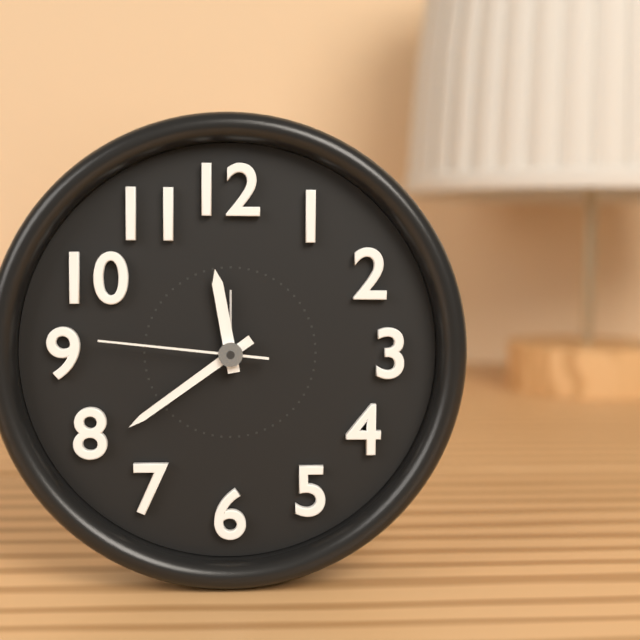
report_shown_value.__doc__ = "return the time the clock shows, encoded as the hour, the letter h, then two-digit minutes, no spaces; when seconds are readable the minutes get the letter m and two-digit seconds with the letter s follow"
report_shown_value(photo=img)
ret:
11h39m46s
